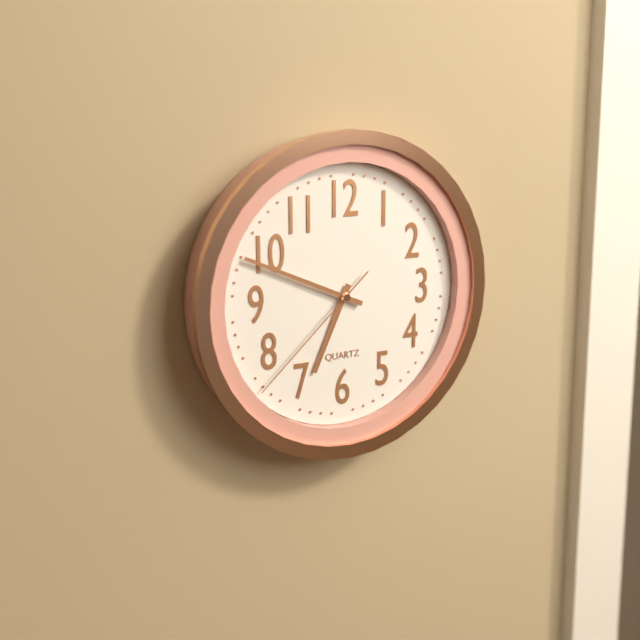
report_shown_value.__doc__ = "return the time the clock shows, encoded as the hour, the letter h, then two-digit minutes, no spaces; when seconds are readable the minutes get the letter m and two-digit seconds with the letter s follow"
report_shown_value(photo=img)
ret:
6h49m38s
